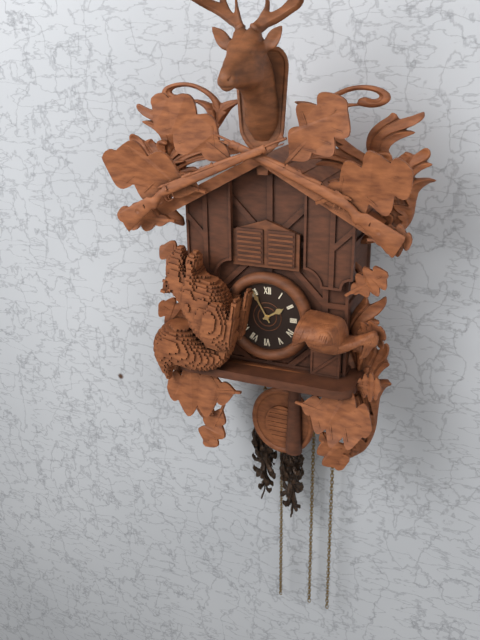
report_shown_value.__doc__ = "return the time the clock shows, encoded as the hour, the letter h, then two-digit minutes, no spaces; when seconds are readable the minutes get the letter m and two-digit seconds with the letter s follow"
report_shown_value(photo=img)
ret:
1h55
